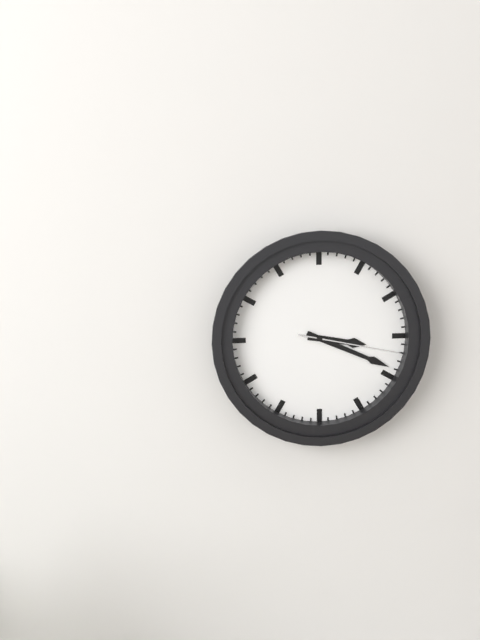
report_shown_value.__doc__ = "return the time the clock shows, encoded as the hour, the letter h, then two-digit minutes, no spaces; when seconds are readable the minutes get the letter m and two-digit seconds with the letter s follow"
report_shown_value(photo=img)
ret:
3h19m17s
